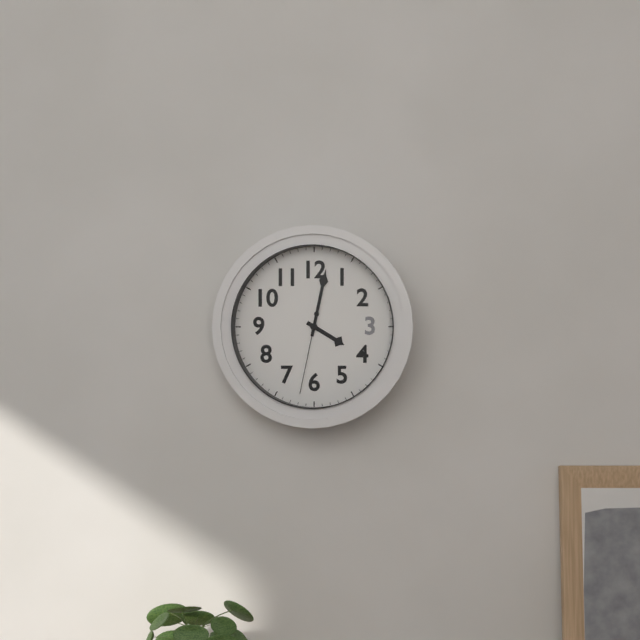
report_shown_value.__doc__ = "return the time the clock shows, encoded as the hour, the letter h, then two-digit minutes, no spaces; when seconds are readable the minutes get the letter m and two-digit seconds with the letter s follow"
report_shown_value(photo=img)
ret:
4h02m32s
